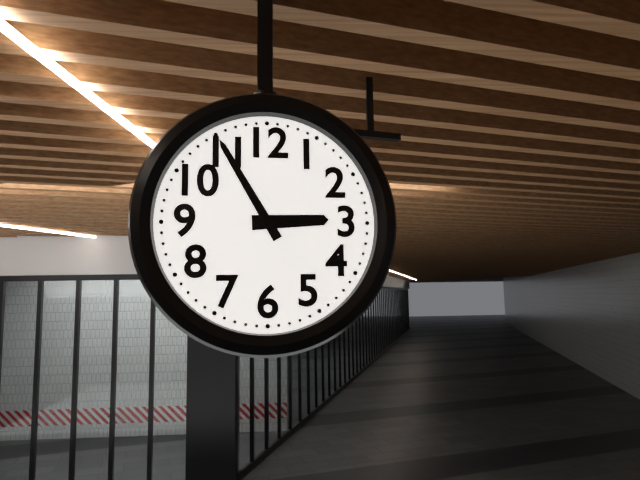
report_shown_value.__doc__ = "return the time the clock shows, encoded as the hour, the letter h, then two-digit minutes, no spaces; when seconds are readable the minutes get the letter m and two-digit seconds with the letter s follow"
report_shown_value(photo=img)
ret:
2h55
